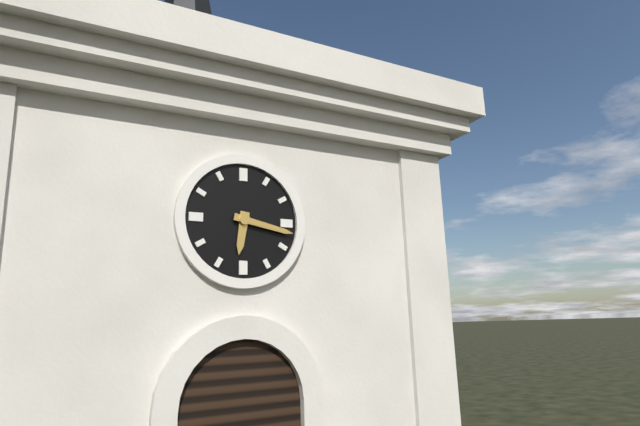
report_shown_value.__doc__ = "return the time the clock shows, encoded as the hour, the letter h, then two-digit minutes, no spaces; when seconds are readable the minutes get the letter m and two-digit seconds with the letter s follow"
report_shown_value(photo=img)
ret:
6h17
